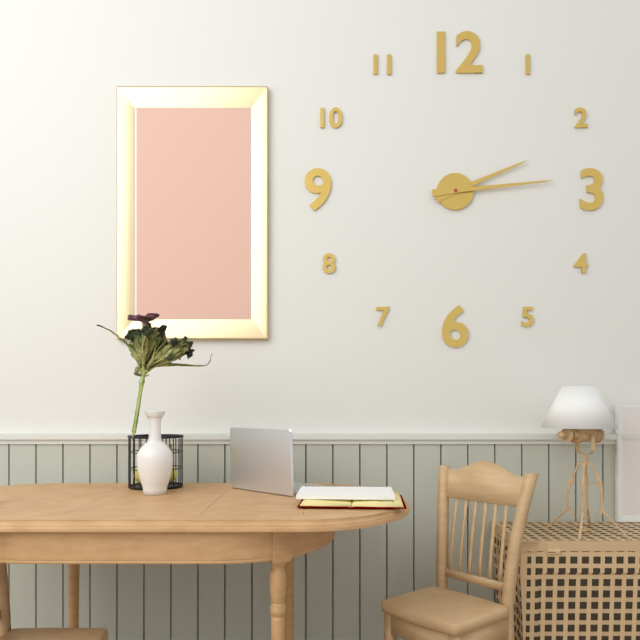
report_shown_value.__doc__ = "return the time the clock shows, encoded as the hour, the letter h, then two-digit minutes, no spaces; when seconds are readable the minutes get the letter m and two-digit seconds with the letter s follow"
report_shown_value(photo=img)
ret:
2h14
